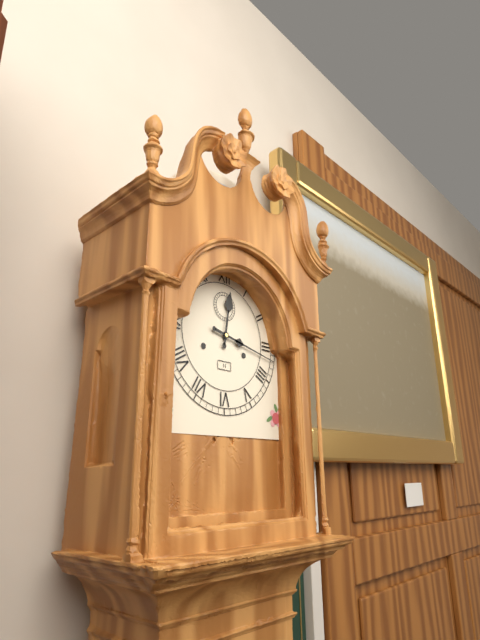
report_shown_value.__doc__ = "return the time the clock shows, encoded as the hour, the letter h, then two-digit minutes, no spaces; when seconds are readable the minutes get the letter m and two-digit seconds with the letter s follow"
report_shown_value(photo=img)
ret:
12h17
